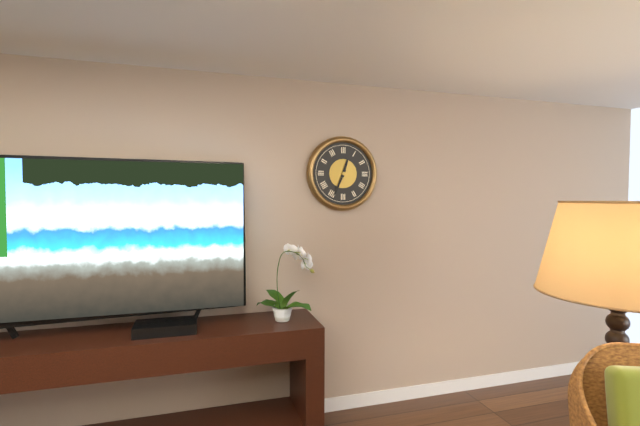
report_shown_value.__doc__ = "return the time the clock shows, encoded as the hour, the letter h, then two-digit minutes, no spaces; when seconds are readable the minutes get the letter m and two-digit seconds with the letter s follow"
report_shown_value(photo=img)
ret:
12h34
